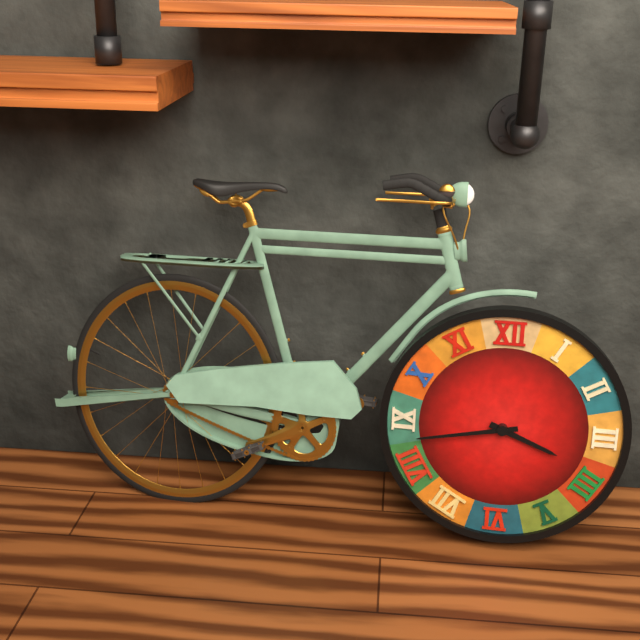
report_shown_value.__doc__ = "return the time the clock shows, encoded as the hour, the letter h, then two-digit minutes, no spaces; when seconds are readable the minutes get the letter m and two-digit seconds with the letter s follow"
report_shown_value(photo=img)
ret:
3h43
